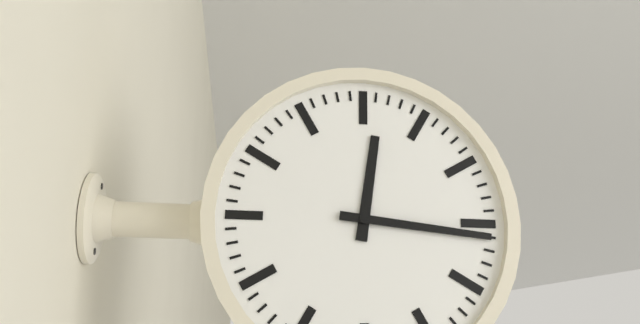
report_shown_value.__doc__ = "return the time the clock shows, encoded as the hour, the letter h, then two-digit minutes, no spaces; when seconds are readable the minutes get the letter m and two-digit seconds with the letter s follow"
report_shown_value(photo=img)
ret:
12h16
